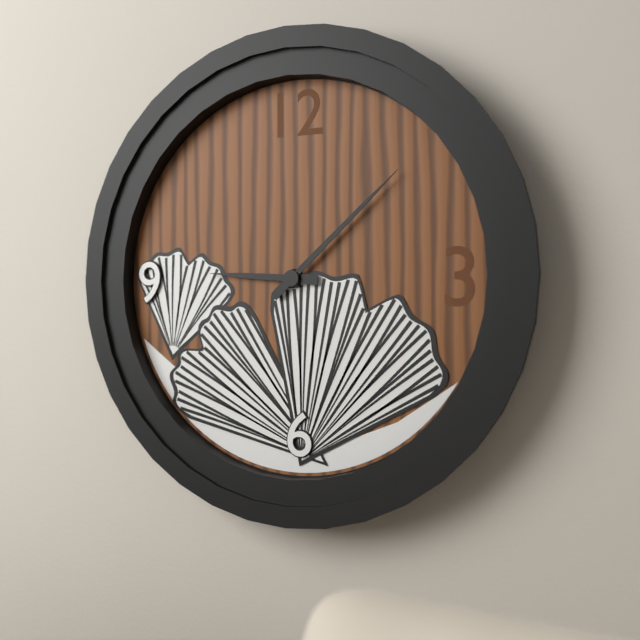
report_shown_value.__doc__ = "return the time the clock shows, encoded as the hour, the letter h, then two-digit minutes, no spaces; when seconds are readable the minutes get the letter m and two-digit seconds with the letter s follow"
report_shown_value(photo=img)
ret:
9h08
